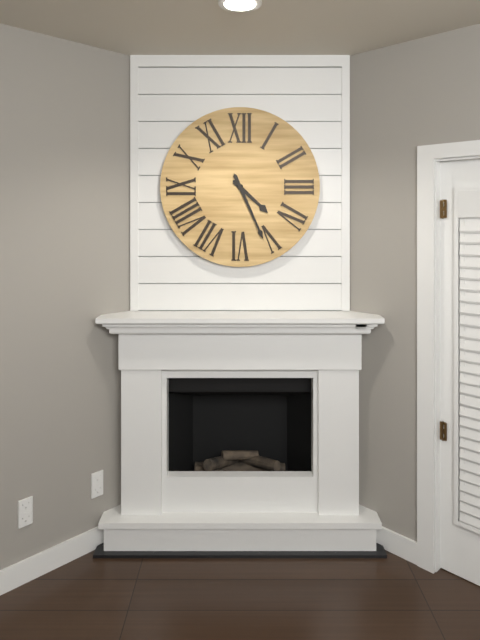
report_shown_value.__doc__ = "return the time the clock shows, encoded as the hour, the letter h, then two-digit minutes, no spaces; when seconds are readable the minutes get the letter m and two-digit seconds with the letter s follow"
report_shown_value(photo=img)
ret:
4h26
